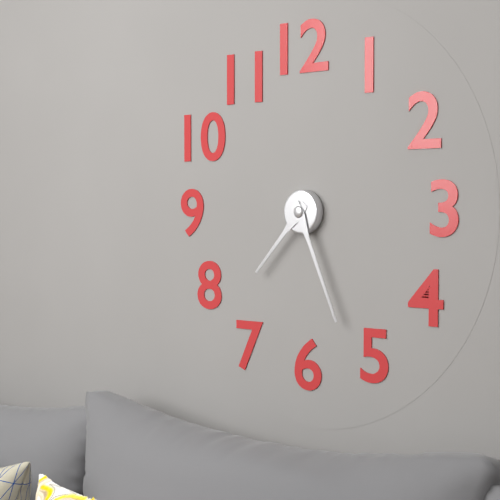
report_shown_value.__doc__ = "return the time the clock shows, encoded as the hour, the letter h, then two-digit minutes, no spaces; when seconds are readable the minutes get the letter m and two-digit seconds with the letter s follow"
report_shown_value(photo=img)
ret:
7h26
